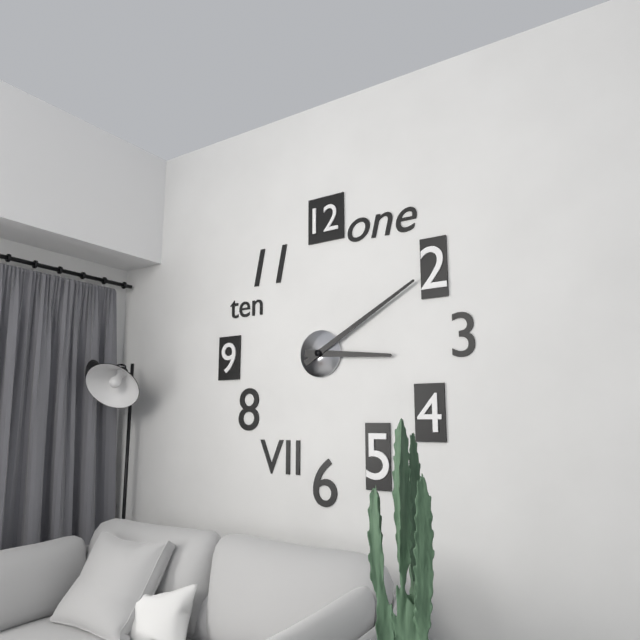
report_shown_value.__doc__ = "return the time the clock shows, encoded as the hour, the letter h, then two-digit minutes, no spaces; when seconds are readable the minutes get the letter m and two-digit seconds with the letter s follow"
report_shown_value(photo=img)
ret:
3h10
